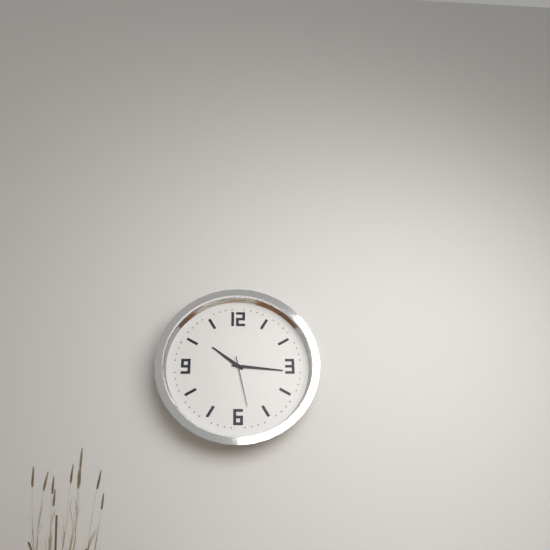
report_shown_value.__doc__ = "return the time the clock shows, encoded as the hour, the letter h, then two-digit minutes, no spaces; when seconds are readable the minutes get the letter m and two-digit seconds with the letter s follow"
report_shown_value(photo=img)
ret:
10h16m28s
